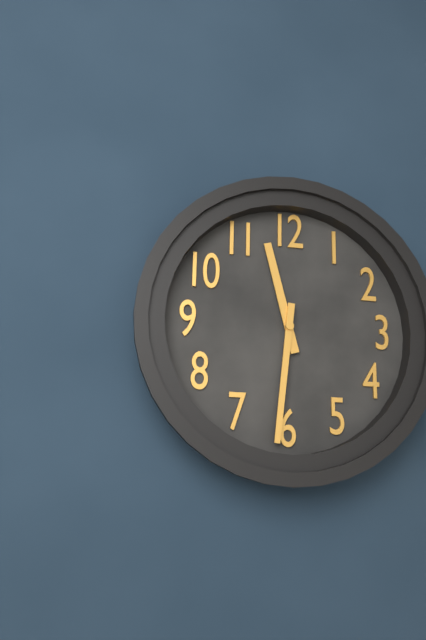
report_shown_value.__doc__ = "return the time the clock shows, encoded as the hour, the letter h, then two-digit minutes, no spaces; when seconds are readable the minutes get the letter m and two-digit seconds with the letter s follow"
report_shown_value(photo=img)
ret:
11h31
